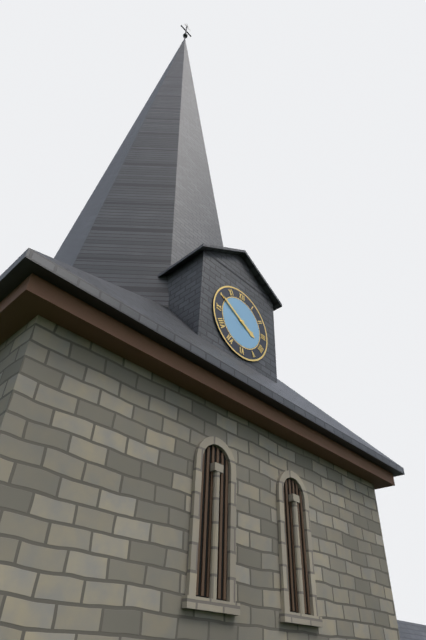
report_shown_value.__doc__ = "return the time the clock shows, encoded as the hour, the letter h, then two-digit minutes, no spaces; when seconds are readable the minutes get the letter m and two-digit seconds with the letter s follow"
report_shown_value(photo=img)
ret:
3h50
